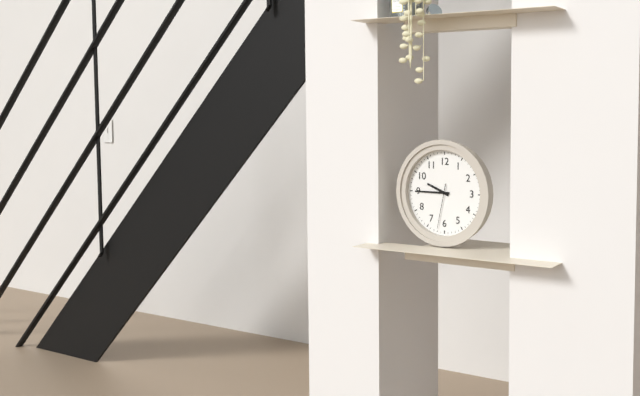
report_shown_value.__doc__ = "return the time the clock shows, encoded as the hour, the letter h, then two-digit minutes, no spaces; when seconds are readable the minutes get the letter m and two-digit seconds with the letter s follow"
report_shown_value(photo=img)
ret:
9h45
